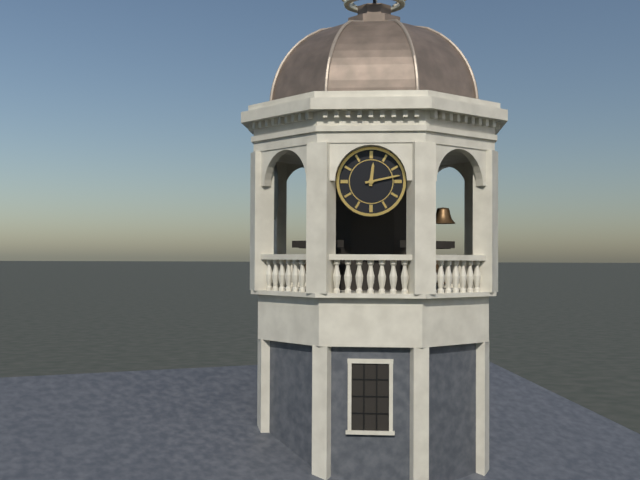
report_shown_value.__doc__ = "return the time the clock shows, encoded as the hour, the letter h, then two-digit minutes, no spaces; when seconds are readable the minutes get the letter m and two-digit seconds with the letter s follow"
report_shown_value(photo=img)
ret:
12h13
